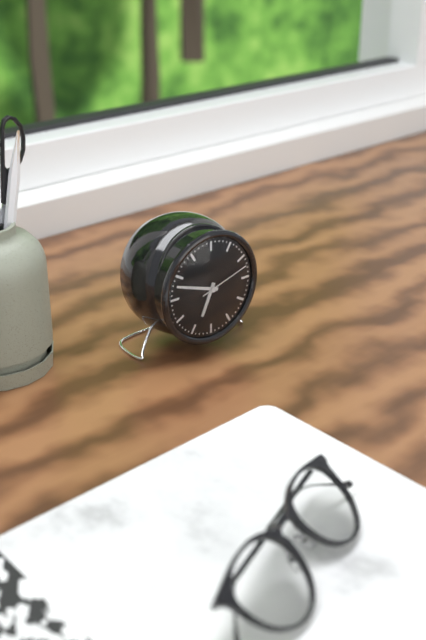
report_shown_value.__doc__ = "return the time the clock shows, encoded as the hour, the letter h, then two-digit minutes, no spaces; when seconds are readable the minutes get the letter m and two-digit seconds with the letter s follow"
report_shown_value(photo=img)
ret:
6h48m12s
